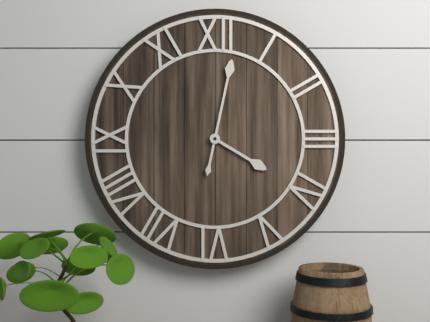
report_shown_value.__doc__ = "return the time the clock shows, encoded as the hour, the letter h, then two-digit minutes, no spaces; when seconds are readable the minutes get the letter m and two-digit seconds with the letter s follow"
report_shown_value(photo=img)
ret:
4h02
